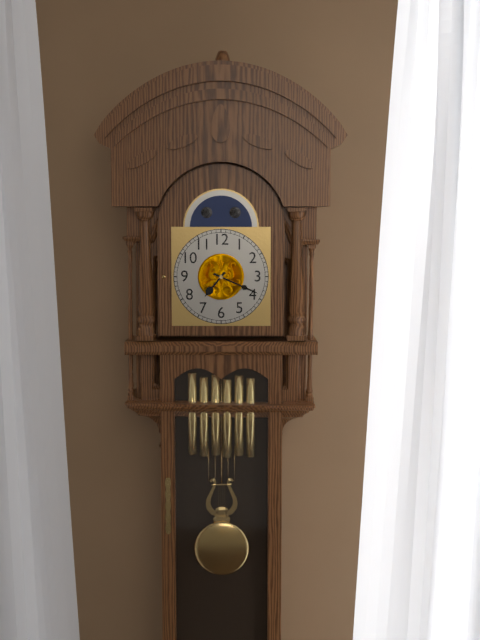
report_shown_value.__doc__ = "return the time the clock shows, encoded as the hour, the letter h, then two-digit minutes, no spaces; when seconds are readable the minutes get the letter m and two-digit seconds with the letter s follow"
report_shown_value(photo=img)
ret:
7h19
